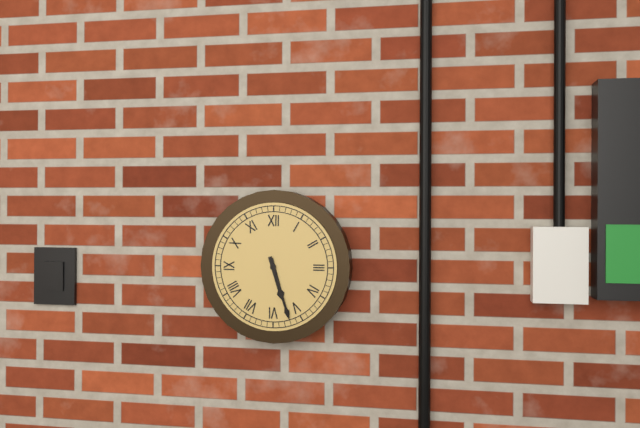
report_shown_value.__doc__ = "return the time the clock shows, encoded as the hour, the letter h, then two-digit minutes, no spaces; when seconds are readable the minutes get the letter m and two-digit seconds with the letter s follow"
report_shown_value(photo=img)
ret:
5h27
